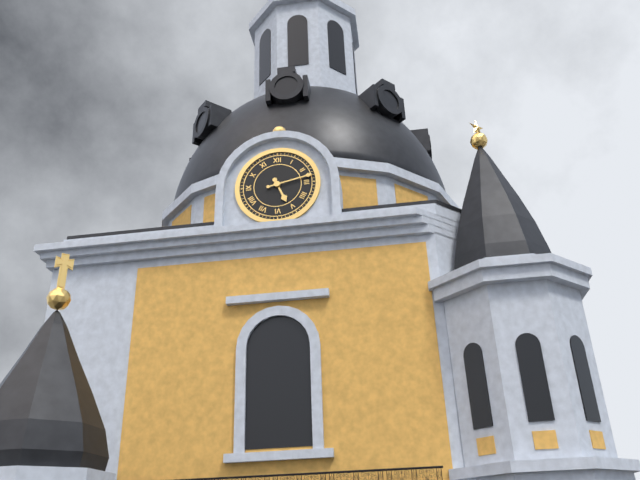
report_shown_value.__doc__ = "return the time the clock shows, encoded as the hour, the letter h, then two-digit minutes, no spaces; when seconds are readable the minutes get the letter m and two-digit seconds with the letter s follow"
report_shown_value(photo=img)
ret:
5h13
